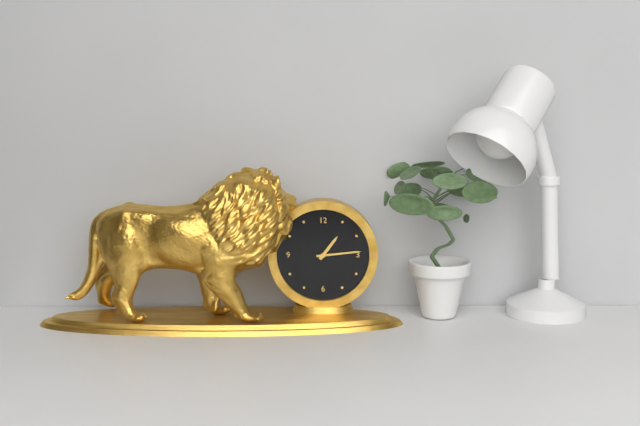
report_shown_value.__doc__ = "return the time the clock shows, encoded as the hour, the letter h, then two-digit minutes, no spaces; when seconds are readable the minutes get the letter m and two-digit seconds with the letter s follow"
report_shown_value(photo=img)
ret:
1h14
